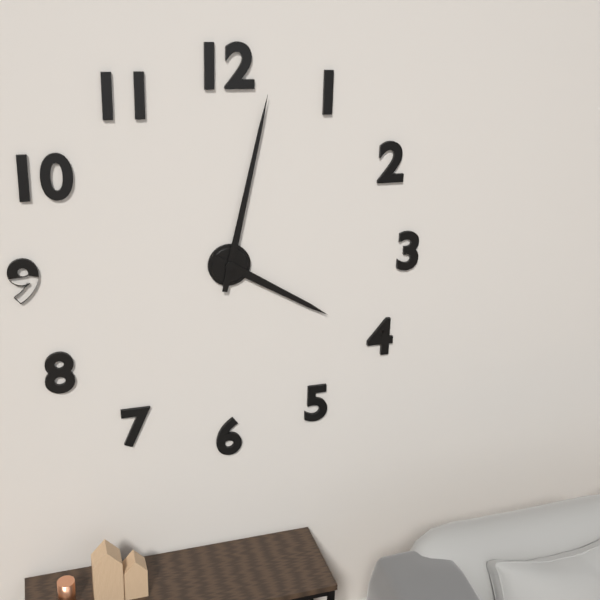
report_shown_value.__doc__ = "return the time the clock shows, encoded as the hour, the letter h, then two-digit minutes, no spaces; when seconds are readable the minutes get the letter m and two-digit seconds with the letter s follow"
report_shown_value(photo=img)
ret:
4h02
